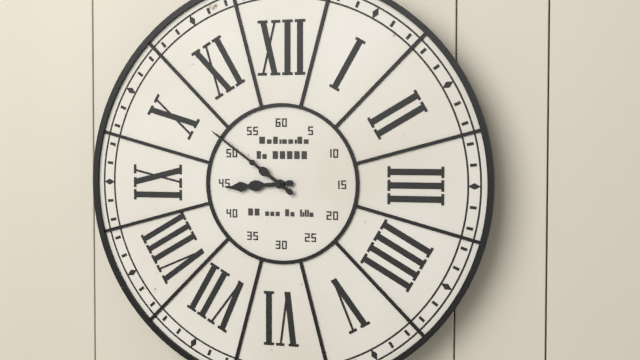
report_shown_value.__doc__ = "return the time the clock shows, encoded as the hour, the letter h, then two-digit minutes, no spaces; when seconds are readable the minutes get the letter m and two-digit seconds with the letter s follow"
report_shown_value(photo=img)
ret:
8h51
